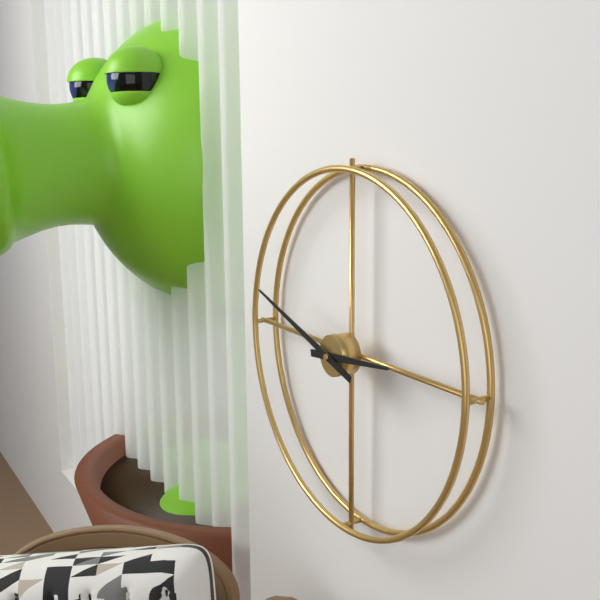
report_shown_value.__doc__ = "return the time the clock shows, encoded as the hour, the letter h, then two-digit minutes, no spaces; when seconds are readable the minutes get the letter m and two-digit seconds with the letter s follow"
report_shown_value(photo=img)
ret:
2h48
